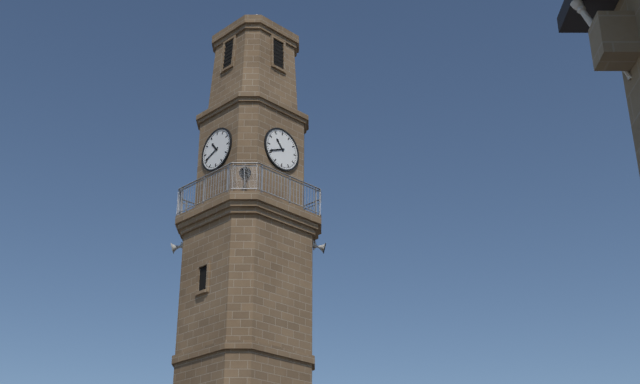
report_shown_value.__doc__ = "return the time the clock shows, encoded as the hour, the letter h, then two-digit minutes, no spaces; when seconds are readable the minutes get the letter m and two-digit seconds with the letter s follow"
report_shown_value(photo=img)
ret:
10h41
